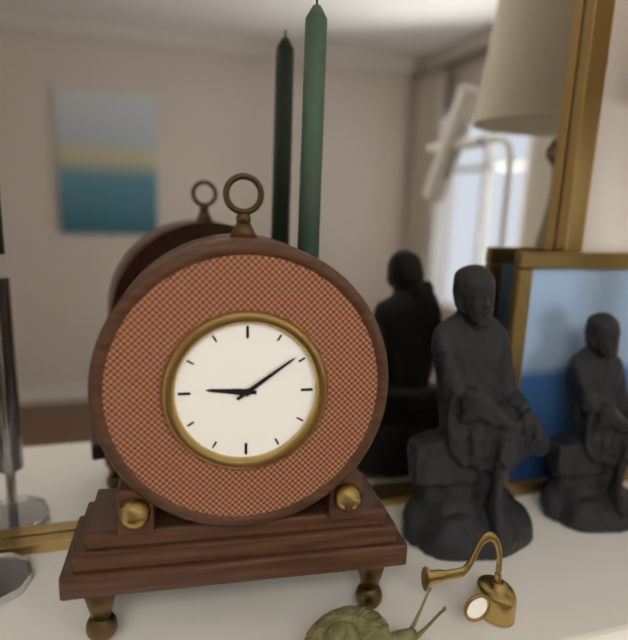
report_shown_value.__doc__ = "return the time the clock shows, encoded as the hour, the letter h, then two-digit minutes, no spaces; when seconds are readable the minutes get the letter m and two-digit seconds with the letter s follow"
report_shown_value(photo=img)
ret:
9h09
